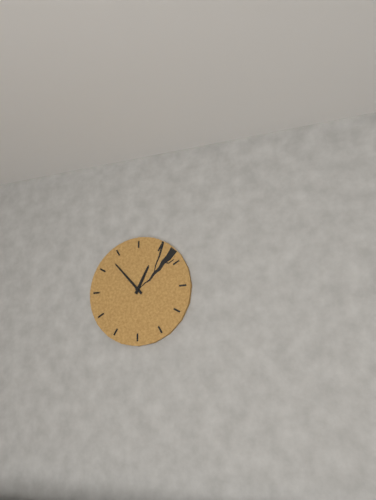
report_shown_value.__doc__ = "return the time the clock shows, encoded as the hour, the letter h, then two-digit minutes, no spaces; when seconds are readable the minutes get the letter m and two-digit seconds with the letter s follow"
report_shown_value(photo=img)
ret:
12h53
